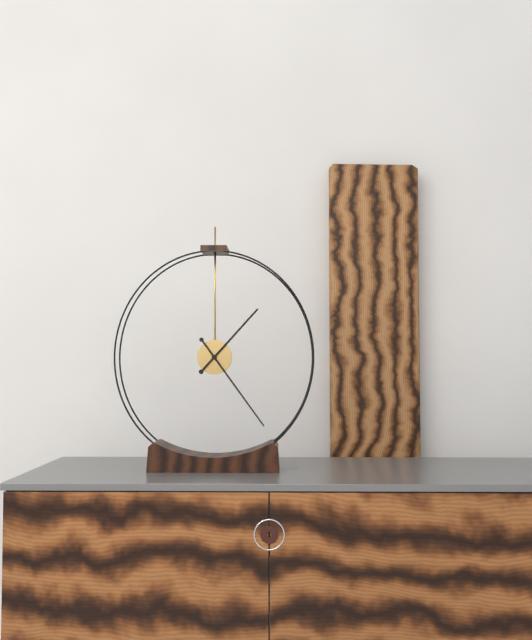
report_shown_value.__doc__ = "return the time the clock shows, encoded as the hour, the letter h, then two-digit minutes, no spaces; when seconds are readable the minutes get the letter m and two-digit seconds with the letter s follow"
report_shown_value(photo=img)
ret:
1h24
